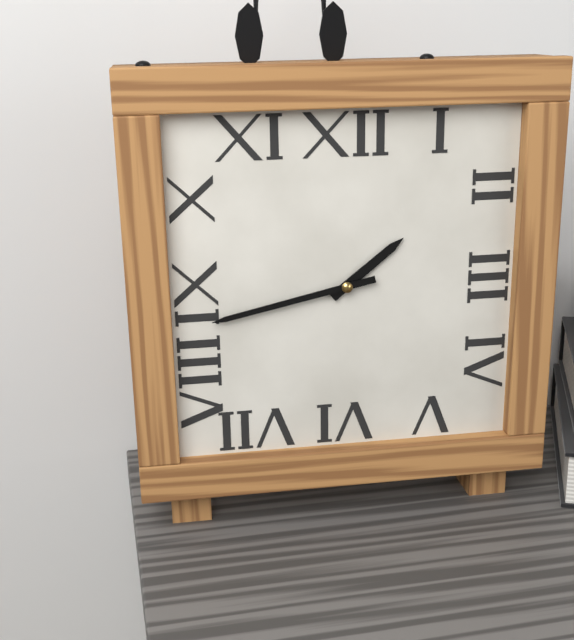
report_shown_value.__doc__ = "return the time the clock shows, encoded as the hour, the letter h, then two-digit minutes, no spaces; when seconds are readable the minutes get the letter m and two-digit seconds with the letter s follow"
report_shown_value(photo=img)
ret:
1h43
